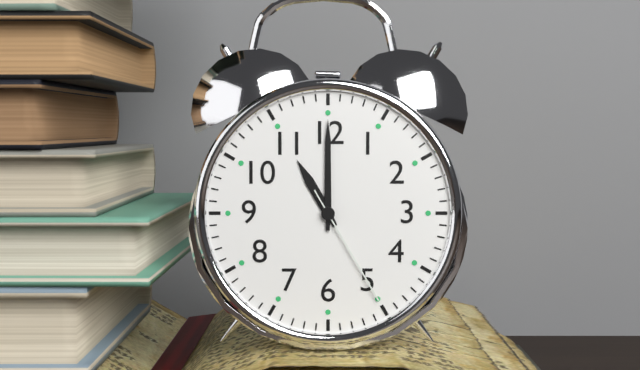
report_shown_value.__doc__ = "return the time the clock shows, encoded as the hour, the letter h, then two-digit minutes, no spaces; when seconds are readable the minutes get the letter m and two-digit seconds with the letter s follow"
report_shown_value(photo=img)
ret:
11h00m25s
